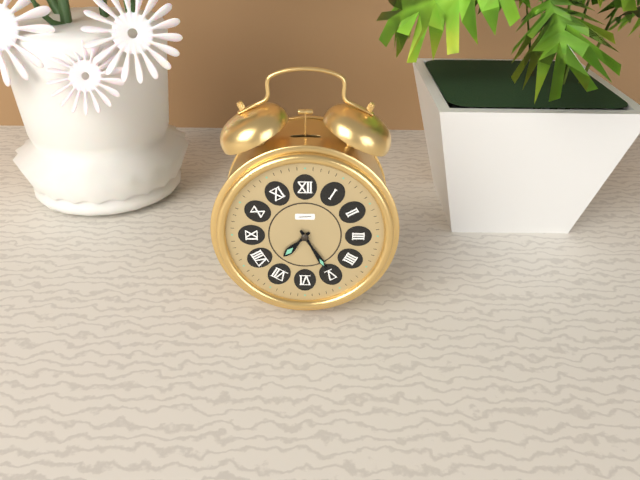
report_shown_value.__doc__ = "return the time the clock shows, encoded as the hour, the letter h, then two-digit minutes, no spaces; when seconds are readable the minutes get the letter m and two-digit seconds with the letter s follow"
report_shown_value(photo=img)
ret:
7h25
